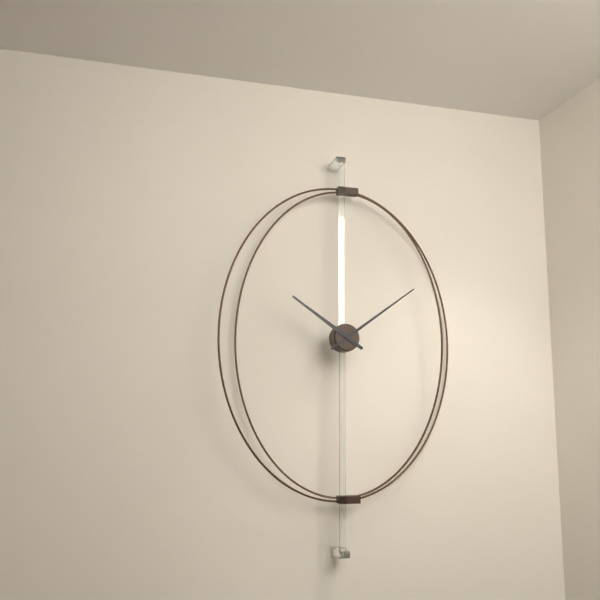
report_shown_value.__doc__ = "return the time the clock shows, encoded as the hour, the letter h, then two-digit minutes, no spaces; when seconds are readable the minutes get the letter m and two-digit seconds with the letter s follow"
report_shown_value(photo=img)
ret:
10h09
